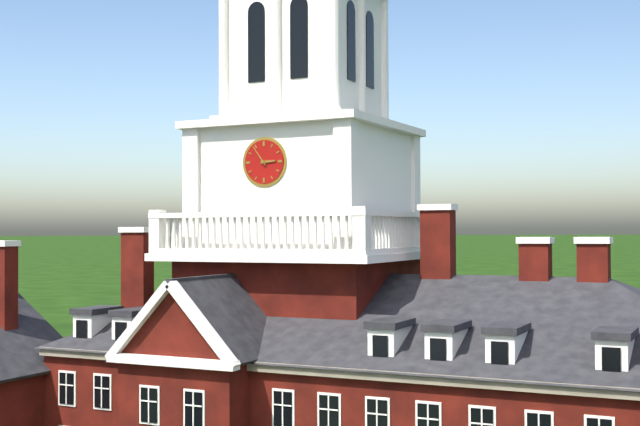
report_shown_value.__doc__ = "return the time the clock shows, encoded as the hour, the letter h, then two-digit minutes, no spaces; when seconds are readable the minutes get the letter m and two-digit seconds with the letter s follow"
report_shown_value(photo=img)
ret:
2h54
